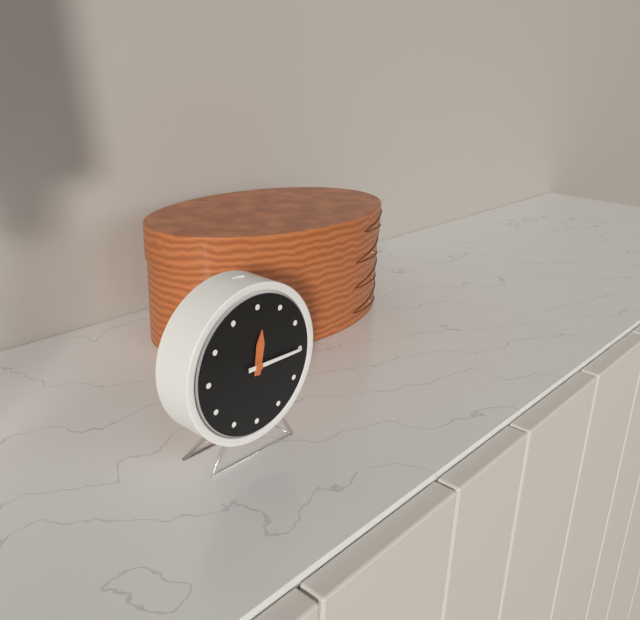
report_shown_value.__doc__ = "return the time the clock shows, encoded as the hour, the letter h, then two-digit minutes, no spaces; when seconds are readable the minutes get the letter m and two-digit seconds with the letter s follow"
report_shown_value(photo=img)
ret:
12h15
